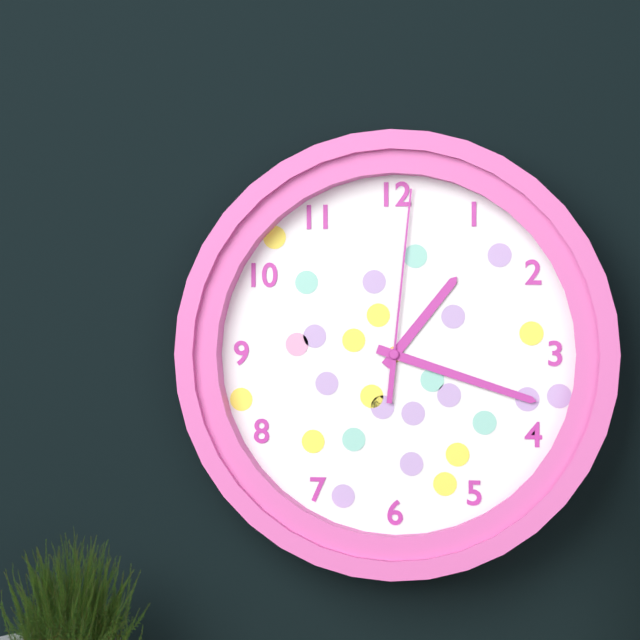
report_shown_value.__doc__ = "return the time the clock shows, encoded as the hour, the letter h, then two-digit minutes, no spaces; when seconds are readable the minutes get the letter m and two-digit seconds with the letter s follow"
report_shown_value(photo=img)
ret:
1h18m01s
